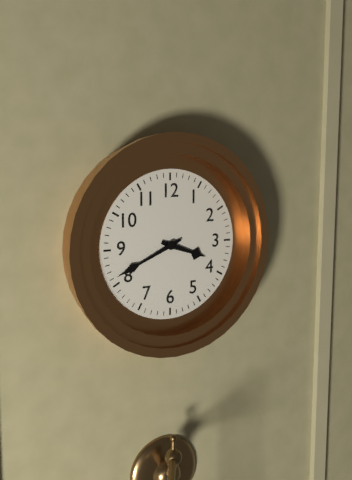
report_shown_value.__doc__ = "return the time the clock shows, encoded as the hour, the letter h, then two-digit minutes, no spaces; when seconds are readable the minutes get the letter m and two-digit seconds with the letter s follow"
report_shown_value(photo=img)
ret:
3h41
